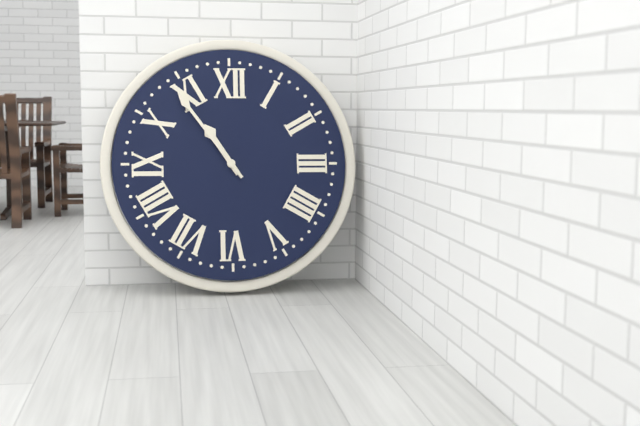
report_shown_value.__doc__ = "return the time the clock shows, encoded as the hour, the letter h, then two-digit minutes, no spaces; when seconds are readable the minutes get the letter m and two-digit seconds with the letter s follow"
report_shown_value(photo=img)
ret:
10h54
